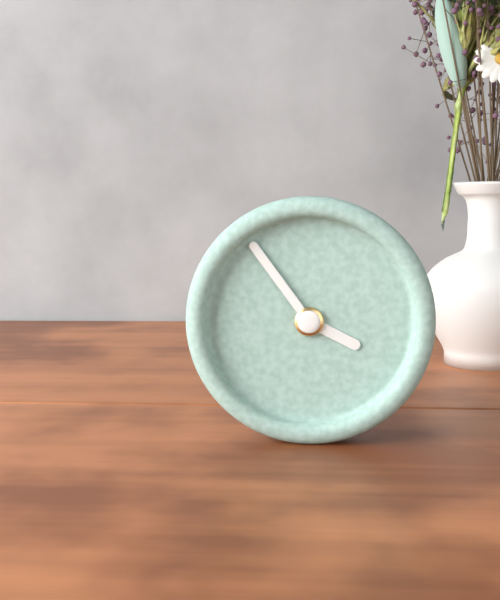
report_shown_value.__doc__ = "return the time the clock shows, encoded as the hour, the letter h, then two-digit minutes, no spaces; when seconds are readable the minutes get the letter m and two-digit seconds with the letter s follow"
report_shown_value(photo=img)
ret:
3h54
